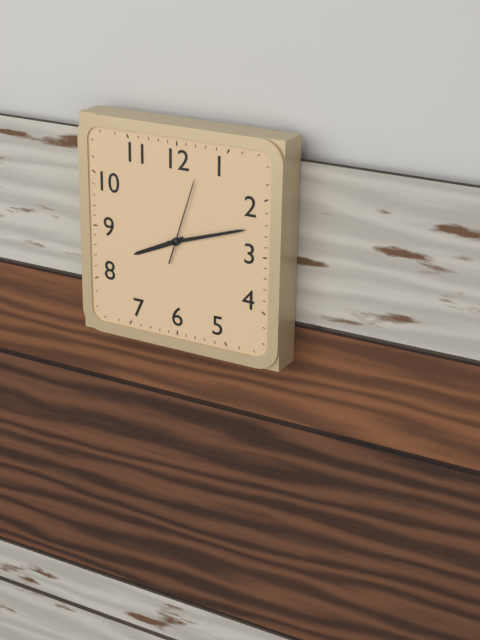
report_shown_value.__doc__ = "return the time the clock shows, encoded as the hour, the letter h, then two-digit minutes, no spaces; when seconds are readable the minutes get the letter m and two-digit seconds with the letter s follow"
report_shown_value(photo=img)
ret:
8h12m03s
